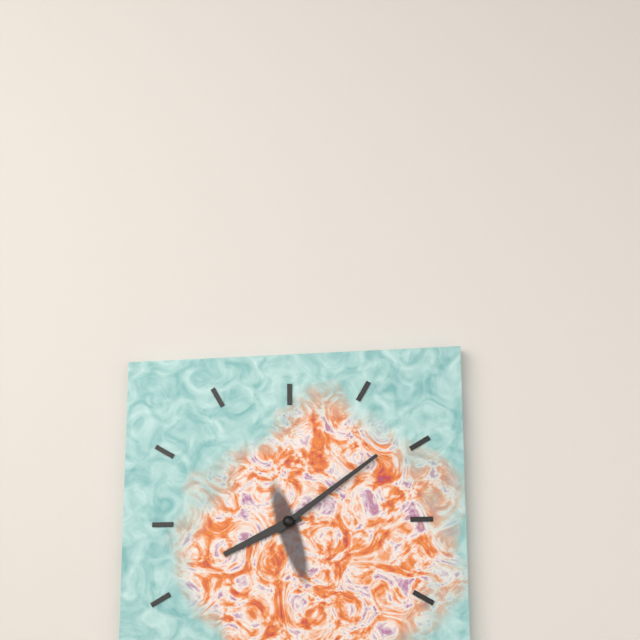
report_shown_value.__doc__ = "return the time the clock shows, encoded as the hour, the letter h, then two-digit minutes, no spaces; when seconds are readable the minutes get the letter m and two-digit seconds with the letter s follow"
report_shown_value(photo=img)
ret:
8h09
